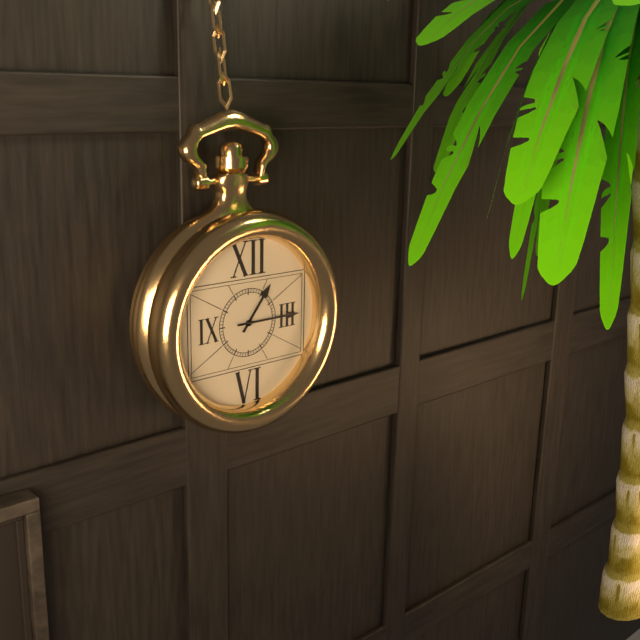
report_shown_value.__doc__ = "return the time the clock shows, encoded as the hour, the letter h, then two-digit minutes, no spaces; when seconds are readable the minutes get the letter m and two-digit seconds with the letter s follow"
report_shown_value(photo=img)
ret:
1h15
